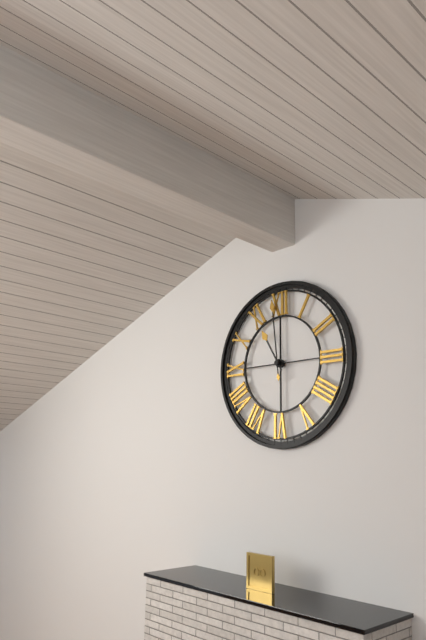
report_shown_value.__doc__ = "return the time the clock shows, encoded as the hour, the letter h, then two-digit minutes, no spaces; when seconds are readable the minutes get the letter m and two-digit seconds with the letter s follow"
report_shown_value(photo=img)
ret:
10h59
